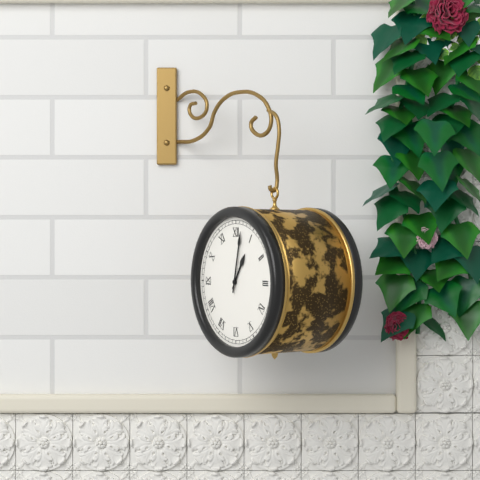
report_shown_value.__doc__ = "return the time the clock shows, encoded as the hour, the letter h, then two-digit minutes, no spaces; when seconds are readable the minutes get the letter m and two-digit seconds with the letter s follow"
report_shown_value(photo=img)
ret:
1h02
